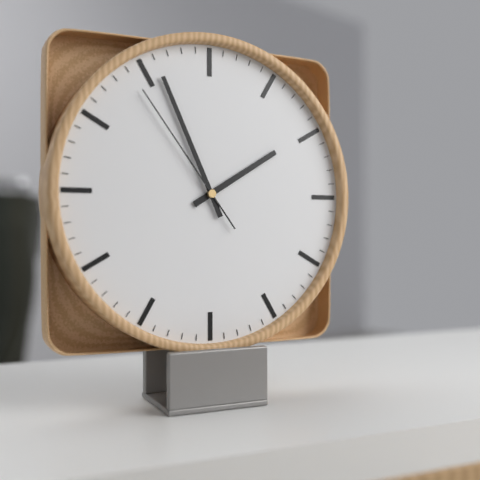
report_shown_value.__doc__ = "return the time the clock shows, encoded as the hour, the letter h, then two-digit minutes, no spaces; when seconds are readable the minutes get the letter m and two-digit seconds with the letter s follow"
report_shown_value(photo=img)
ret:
1h56m54s
